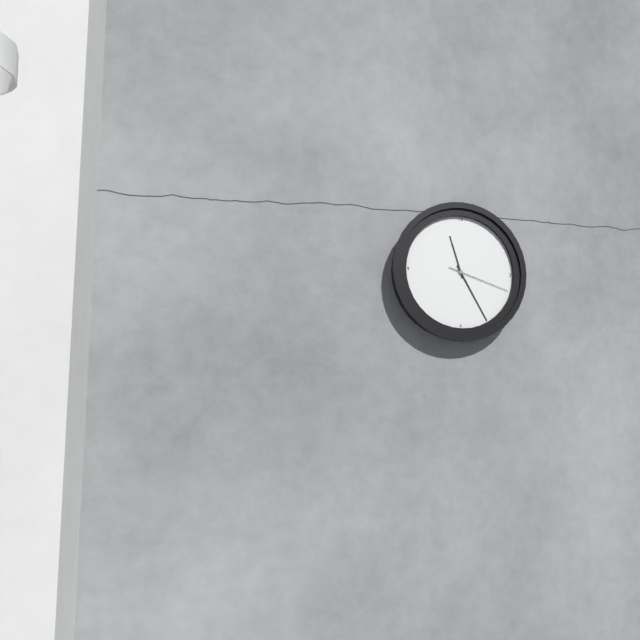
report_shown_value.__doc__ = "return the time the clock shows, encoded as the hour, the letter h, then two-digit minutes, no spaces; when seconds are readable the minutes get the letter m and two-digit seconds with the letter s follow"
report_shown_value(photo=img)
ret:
11h25m18s
